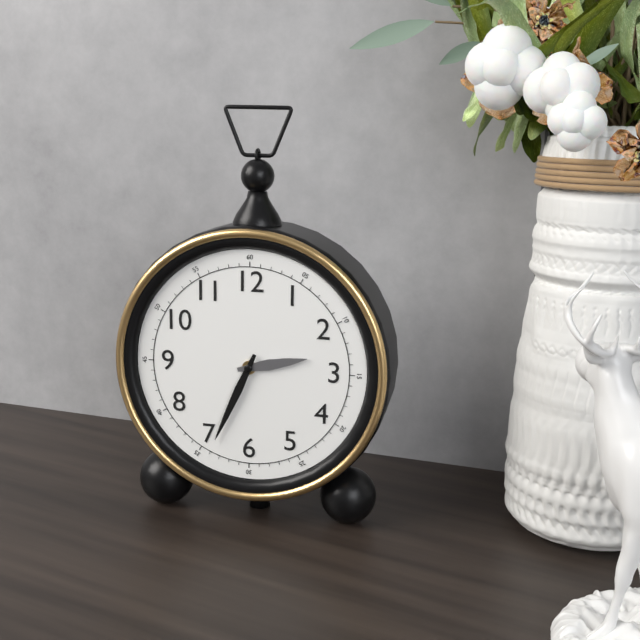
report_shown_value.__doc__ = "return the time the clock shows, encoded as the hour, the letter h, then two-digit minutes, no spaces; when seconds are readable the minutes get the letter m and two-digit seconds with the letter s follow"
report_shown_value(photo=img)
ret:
2h34
